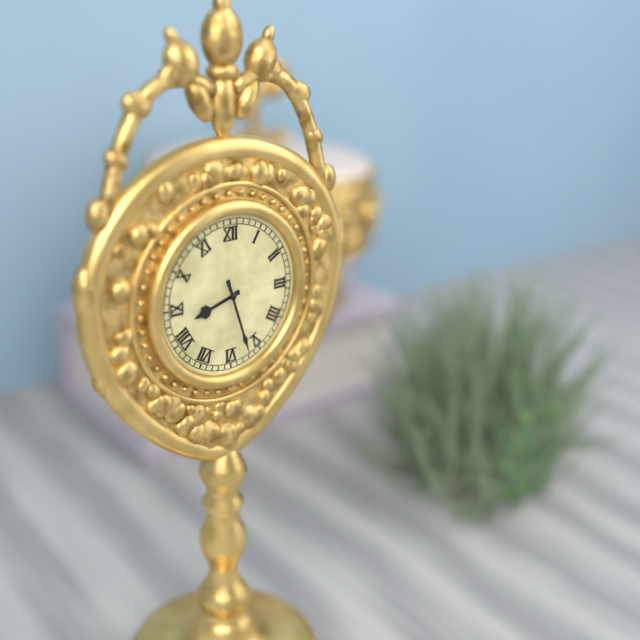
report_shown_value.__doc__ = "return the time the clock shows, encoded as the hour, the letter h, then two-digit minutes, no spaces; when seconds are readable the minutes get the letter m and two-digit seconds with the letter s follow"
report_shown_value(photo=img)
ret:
8h27
